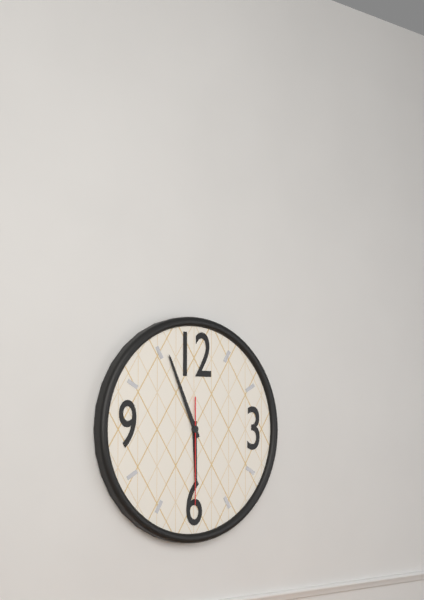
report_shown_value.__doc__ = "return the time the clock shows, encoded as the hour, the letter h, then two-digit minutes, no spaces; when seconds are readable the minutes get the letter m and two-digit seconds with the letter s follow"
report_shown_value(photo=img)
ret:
5h56m30s
